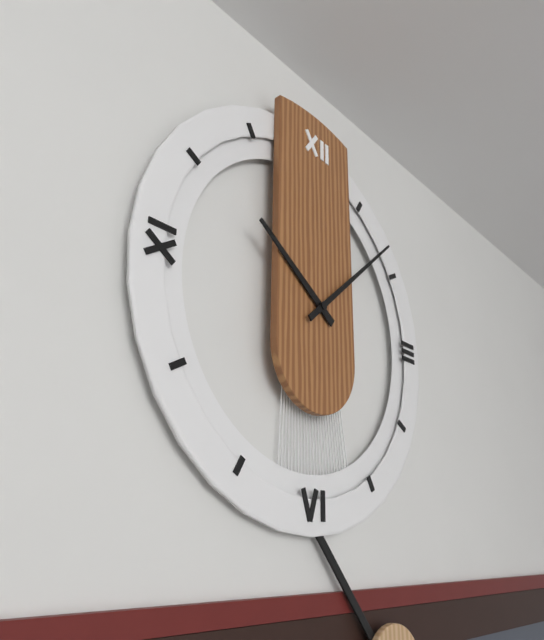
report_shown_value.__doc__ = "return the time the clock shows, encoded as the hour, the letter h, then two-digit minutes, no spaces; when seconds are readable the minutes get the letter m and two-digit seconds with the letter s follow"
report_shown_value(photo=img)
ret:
10h08
